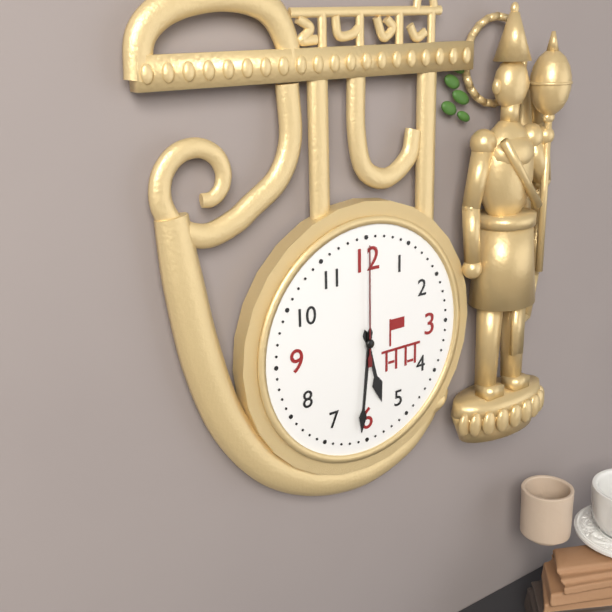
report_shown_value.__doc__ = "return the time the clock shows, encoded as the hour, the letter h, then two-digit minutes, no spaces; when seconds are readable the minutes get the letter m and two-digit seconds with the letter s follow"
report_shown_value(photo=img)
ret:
5h31m00s
